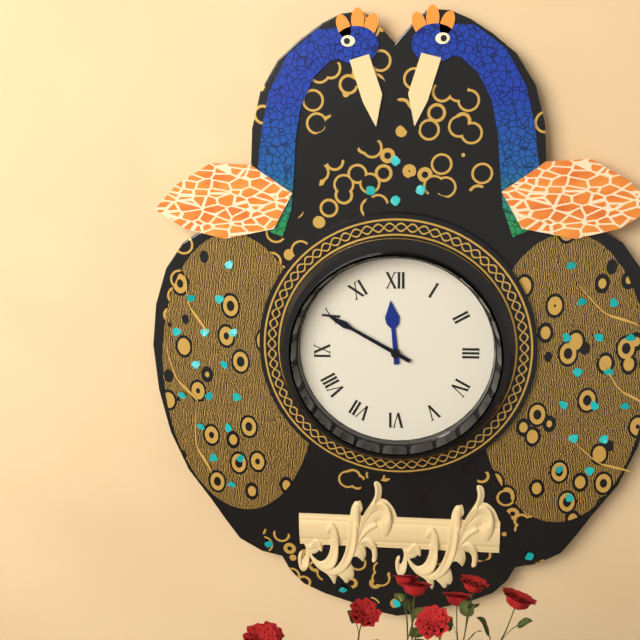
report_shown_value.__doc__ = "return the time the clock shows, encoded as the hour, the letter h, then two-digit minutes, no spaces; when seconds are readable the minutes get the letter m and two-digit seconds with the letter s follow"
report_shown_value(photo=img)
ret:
11h50
